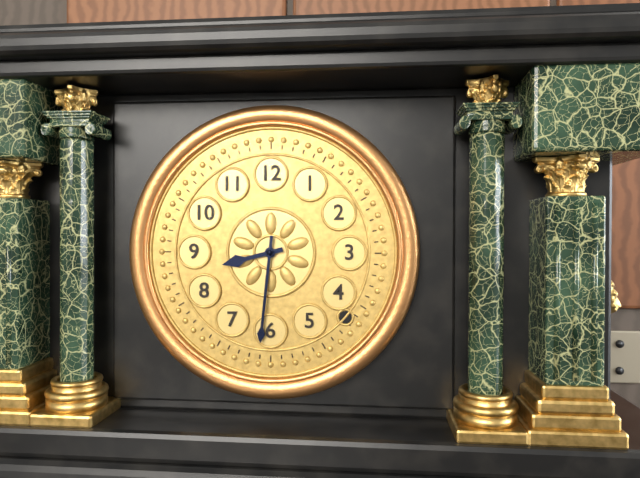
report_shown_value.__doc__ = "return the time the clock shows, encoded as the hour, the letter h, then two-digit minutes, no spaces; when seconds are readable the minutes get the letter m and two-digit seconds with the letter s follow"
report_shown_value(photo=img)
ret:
8h31
